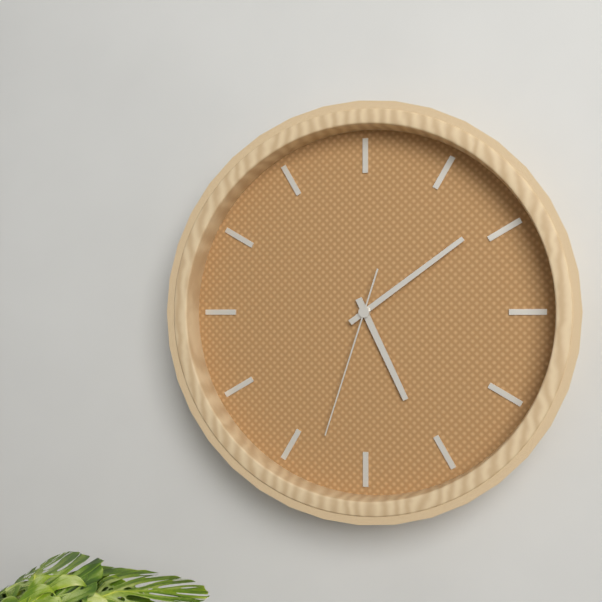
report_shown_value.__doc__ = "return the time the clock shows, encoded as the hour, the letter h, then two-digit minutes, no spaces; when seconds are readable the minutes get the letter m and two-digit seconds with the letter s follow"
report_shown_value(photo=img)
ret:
5h09m33s
